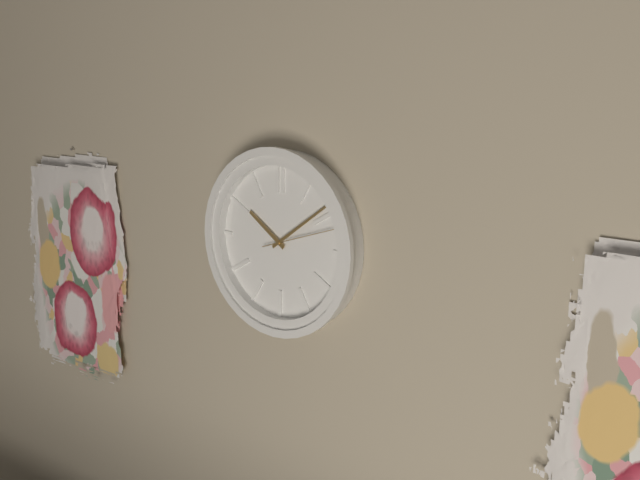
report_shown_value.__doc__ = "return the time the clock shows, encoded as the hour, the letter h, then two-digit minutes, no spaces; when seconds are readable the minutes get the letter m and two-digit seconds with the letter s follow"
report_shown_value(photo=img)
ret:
10h09m12s
